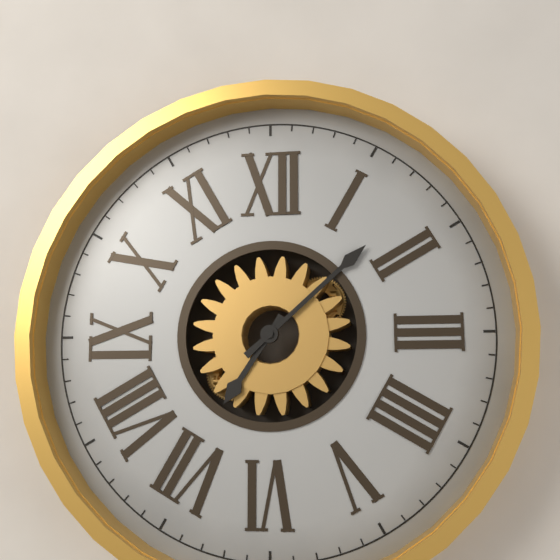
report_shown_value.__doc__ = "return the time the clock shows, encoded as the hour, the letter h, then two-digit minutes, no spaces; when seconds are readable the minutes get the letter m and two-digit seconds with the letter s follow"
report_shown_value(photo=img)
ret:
7h08
